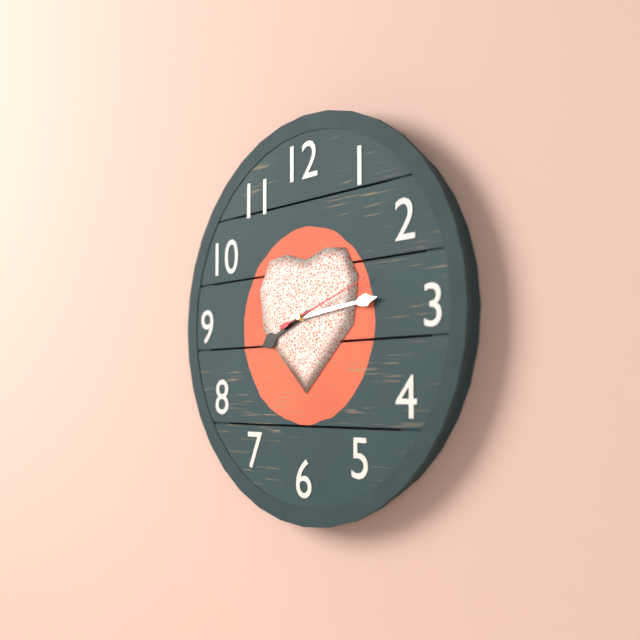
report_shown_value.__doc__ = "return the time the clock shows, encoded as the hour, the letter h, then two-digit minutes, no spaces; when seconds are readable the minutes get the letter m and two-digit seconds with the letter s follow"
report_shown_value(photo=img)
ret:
8h14m12s
